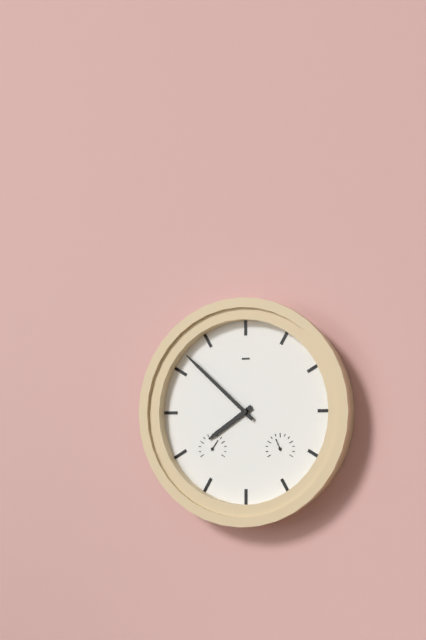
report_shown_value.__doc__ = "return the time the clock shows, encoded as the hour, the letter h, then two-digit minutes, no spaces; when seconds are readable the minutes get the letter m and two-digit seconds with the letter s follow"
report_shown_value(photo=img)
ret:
7h52
